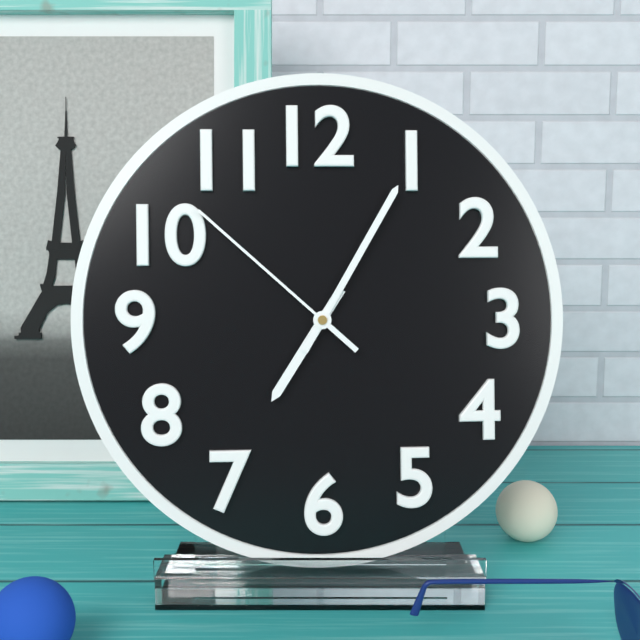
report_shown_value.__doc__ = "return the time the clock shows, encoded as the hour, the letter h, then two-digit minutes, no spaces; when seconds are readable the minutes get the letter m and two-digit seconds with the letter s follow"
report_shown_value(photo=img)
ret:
7h05m52s
